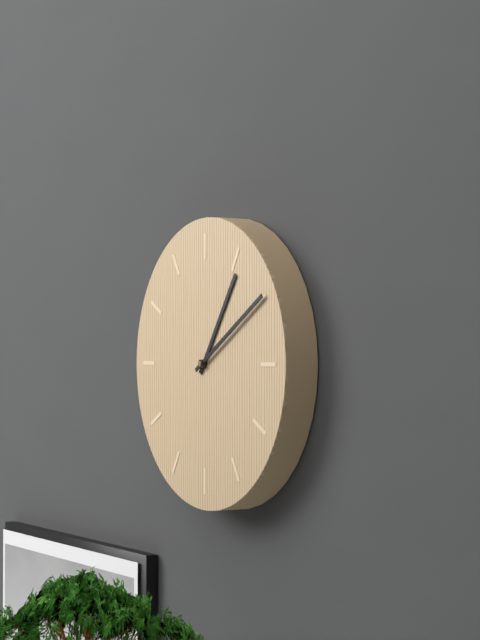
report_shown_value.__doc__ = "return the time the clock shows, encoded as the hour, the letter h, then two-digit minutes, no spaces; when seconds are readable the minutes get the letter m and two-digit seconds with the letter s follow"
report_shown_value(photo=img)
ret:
1h10
